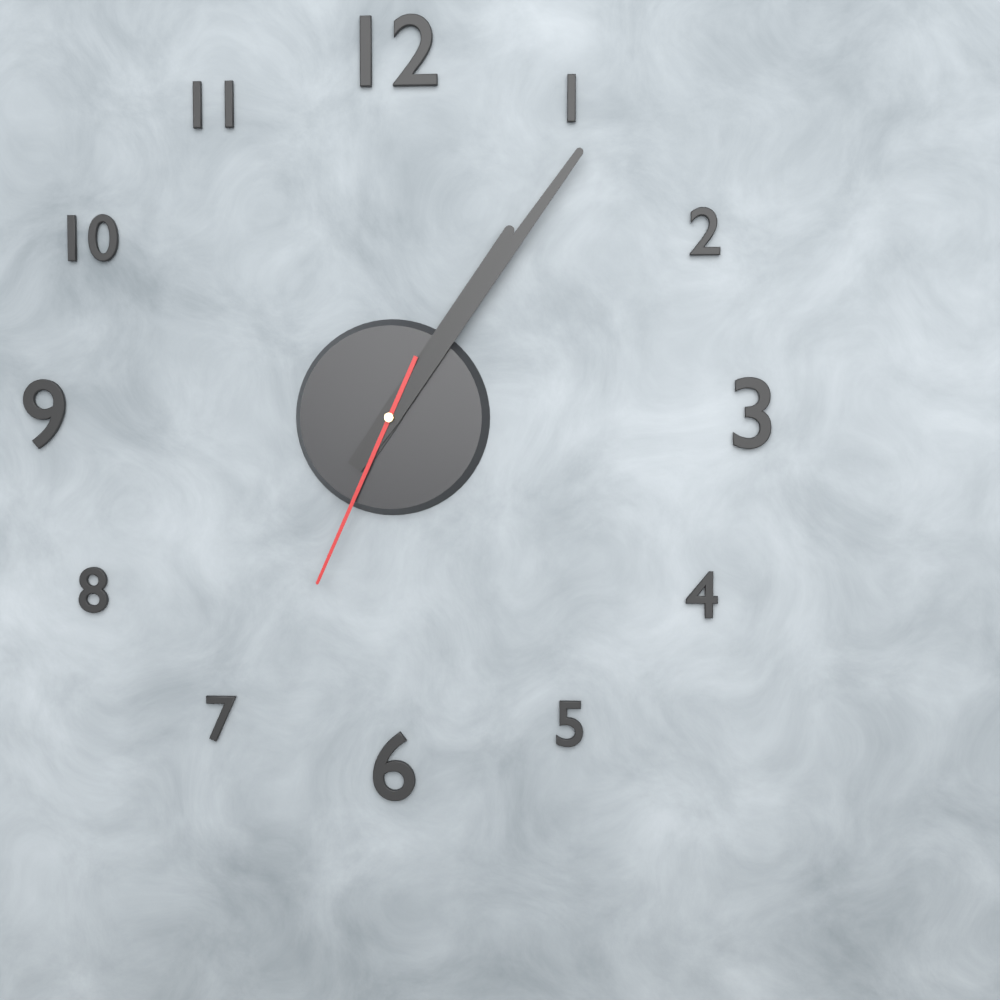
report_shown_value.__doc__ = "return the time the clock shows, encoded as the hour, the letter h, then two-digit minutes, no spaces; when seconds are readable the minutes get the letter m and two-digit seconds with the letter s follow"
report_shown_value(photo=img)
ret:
1h06m34s
